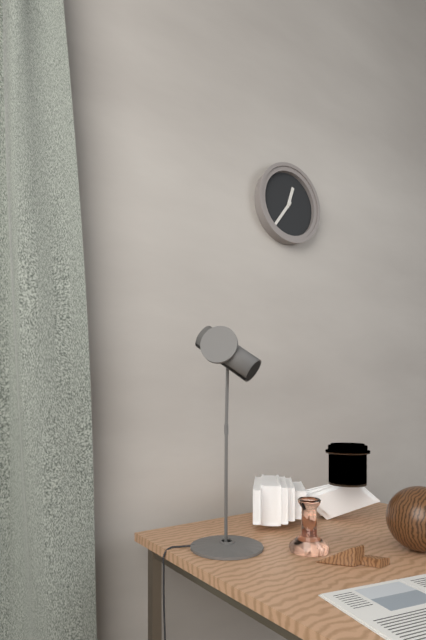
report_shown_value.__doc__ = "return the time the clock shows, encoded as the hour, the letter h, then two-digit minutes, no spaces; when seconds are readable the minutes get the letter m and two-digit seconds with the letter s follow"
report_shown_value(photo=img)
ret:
12h36
